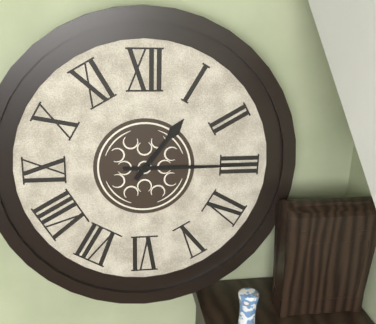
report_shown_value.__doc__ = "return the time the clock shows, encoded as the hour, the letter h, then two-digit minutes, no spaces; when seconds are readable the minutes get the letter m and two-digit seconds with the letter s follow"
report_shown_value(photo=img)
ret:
1h15
